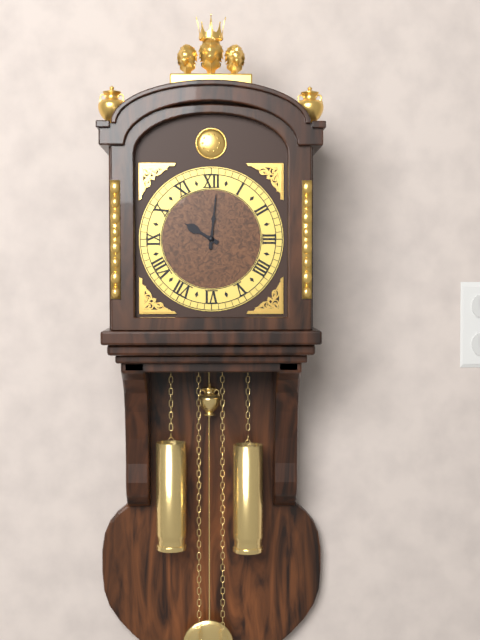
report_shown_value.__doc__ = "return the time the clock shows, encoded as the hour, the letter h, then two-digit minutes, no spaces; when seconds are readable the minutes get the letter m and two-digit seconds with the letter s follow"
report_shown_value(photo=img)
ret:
10h01
